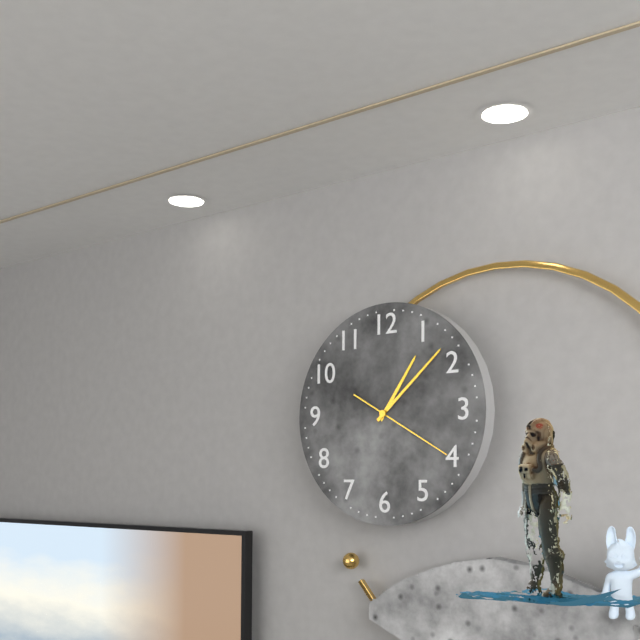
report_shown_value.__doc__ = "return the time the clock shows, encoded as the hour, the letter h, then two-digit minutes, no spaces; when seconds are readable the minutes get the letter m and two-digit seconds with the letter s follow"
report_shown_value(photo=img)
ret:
1h08m20s
